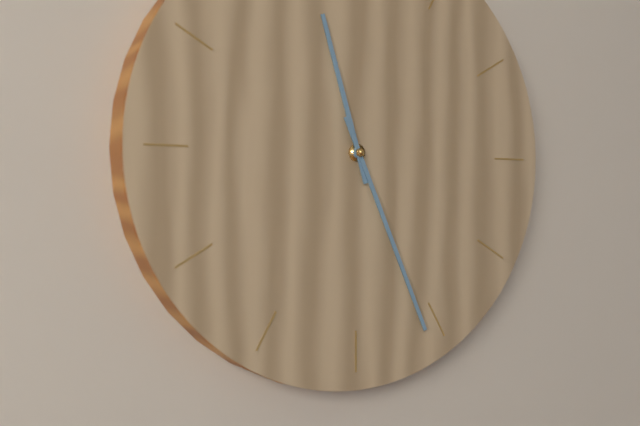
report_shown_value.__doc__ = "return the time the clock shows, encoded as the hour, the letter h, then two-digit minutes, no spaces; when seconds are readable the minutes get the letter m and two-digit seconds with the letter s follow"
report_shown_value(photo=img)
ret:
11h26
